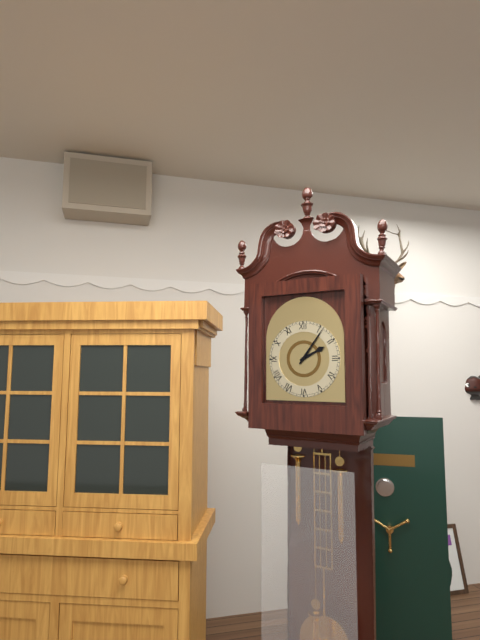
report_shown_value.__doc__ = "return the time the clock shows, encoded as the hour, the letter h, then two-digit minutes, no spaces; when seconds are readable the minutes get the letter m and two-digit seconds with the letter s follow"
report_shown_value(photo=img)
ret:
2h06
